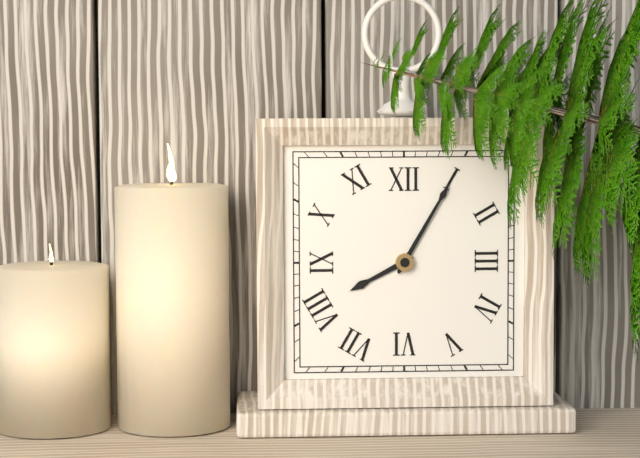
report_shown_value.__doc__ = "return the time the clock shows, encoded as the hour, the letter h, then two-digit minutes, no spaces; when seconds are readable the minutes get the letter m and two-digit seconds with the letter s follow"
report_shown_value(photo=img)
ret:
8h05
